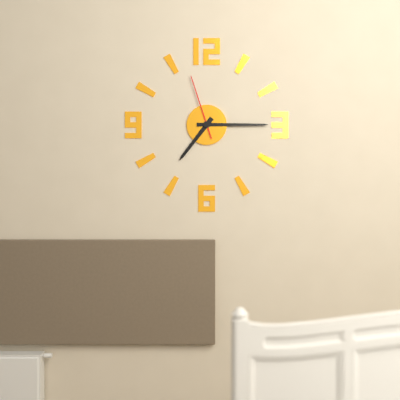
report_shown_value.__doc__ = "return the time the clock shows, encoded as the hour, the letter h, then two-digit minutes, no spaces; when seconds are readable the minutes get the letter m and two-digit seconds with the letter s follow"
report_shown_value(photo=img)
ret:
7h15m57s
